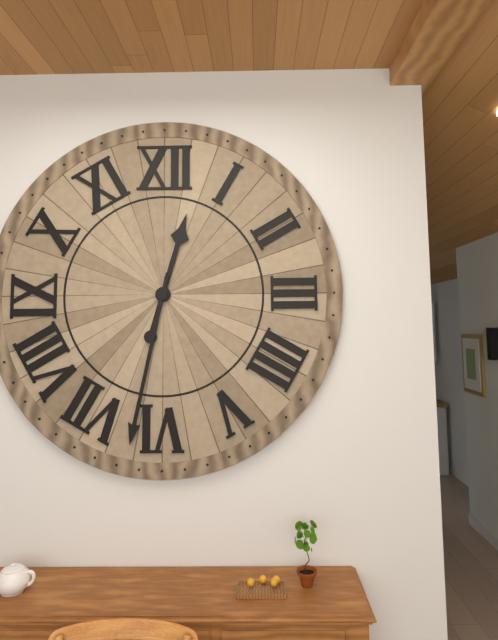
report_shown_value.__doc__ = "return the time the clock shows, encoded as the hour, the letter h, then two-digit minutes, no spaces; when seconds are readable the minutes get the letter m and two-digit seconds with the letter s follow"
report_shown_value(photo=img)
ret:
12h32
